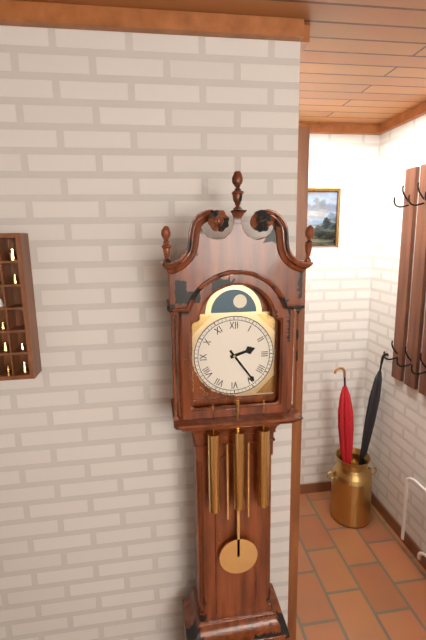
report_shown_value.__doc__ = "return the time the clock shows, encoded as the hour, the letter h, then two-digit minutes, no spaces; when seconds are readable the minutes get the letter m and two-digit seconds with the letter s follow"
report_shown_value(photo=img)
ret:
2h24
